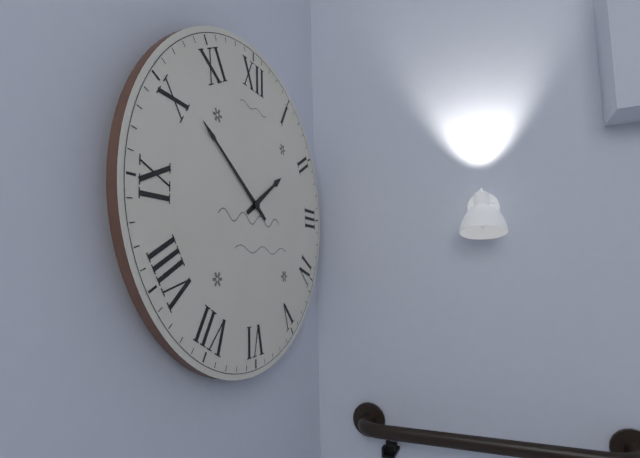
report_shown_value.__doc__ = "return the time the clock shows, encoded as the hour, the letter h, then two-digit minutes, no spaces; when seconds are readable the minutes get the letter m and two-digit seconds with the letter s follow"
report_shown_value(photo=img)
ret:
1h51
